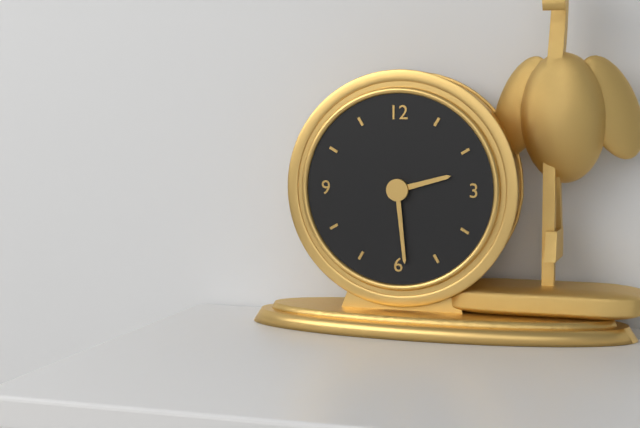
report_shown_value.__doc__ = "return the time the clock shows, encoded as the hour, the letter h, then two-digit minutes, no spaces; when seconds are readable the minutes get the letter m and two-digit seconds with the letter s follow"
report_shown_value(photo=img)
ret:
2h29
